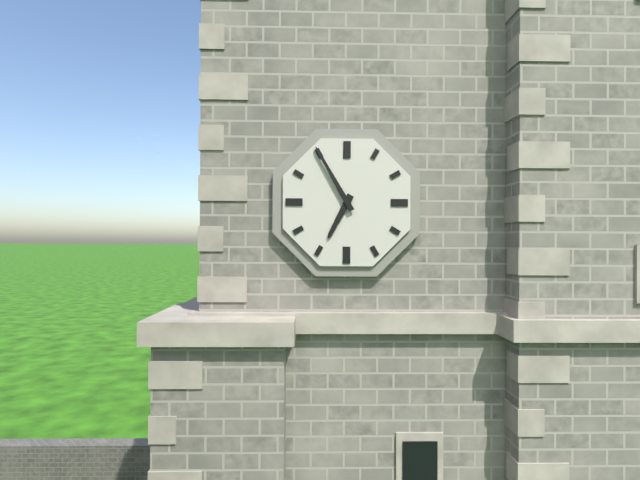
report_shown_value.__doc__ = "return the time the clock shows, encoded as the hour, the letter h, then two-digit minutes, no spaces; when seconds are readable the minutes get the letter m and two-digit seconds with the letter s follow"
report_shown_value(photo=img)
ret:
6h55
